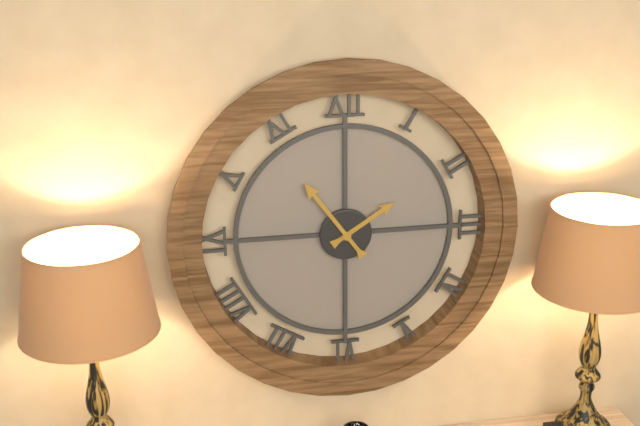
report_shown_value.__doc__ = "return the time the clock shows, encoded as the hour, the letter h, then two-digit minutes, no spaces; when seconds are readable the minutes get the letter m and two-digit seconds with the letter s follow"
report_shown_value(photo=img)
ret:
1h54
